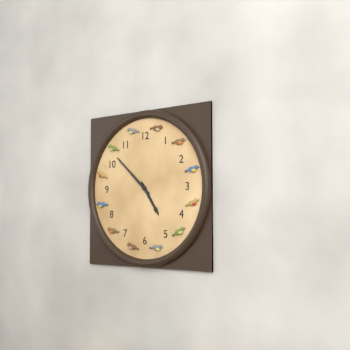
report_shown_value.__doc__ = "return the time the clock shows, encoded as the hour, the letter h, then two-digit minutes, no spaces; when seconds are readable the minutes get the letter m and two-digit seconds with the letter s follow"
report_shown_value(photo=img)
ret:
4h52
